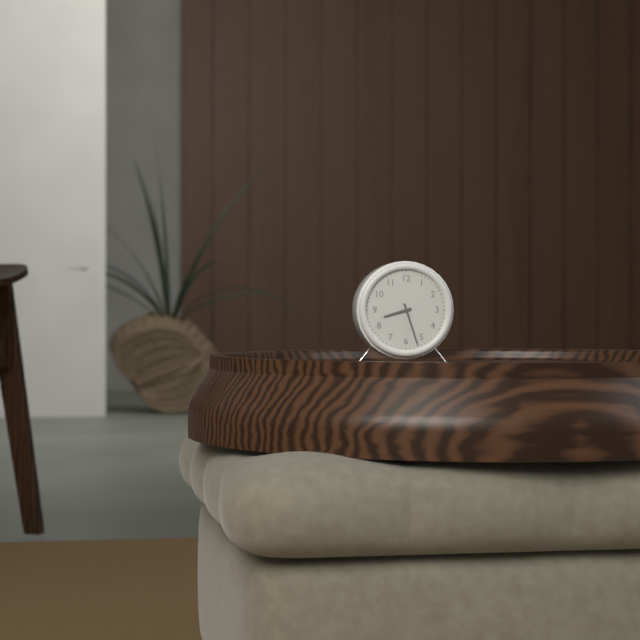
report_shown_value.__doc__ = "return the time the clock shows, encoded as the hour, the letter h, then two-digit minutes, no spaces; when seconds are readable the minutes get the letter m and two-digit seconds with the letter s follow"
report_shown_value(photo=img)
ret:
8h27
